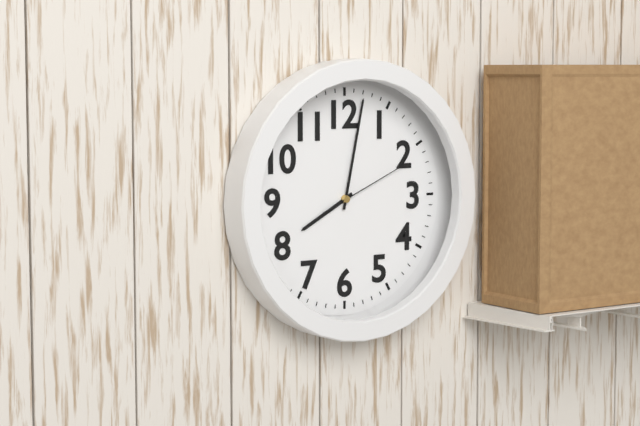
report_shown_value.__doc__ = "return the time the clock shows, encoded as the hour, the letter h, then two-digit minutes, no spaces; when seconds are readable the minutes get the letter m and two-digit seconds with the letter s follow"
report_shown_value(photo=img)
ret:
8h02m11s
